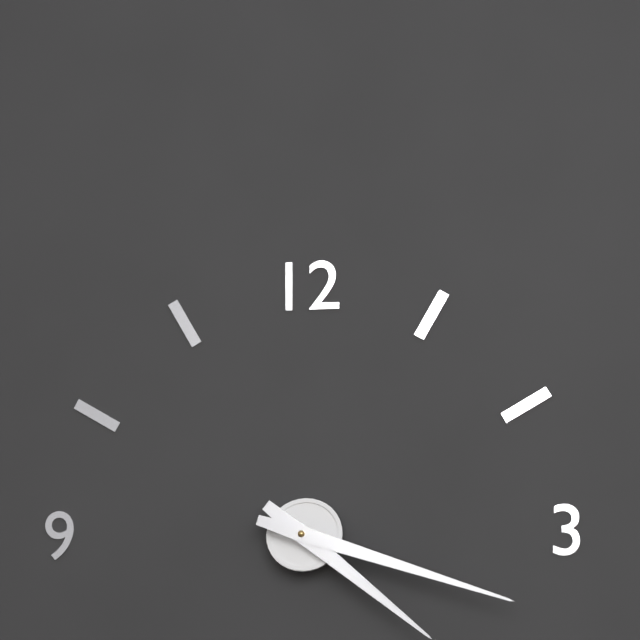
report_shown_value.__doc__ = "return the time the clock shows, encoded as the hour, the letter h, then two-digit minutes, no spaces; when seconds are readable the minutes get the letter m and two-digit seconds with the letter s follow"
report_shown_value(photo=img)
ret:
4h18
